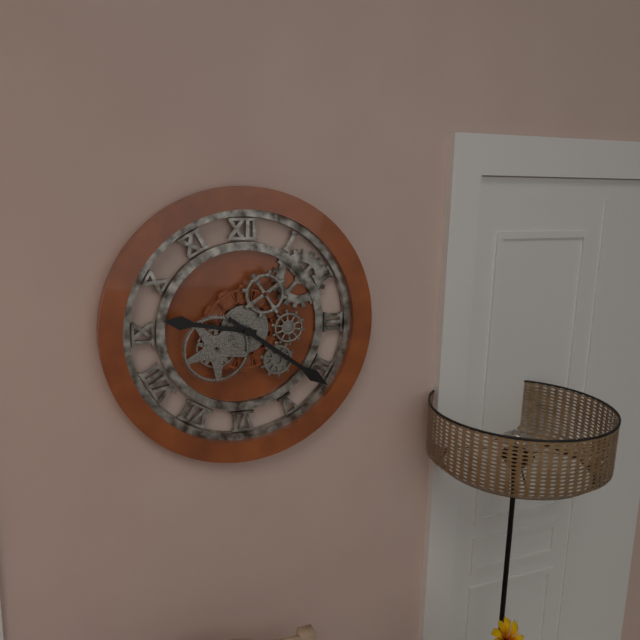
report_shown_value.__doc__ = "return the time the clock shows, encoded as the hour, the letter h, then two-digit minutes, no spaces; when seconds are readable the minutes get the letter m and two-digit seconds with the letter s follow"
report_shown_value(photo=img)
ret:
9h21
